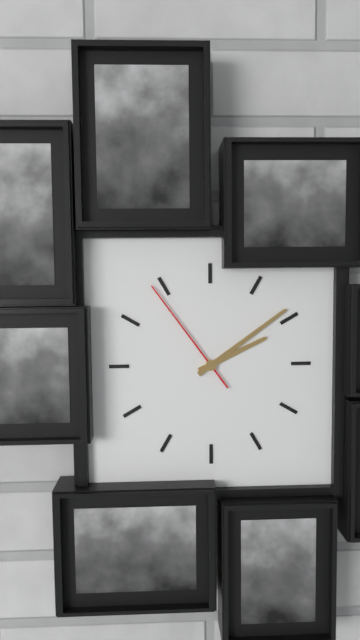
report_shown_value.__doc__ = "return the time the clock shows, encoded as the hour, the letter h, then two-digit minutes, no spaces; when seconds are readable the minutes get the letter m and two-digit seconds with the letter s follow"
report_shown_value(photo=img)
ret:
2h09m54s
